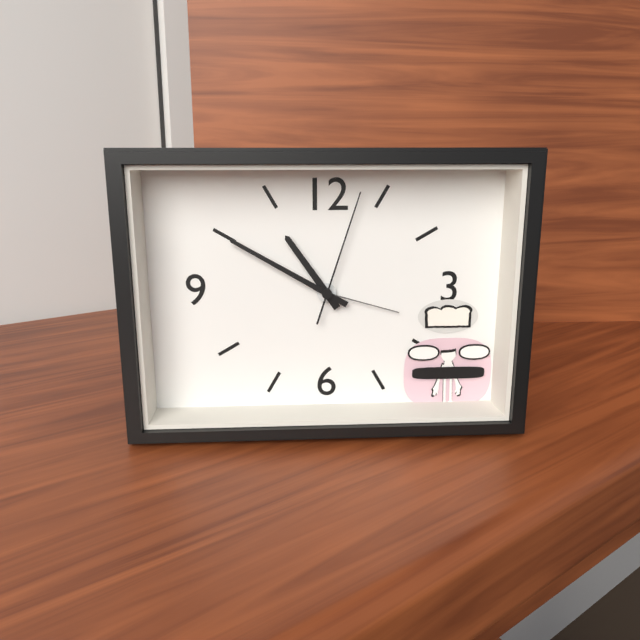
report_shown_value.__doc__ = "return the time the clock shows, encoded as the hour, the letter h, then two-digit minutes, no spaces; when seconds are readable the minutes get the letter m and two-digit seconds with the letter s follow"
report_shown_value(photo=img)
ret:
10h50m03s
